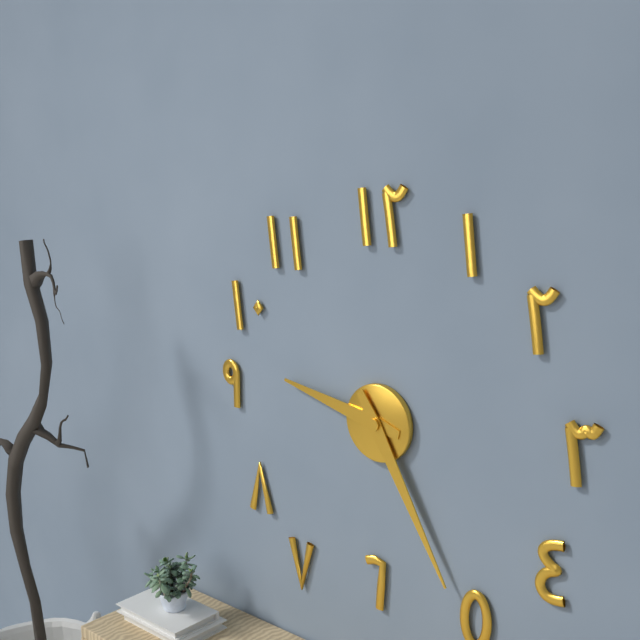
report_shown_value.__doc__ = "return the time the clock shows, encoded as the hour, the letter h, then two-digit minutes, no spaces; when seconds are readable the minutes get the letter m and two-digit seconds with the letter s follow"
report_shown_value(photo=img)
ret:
9h25
